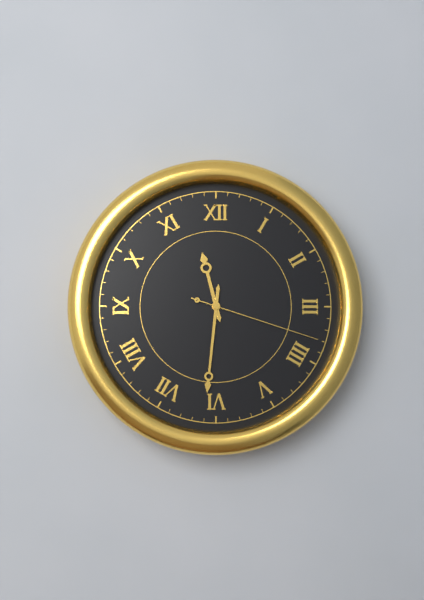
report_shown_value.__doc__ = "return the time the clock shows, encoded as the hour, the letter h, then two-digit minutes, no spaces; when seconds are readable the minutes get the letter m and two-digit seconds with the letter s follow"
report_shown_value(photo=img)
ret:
11h31m18s
